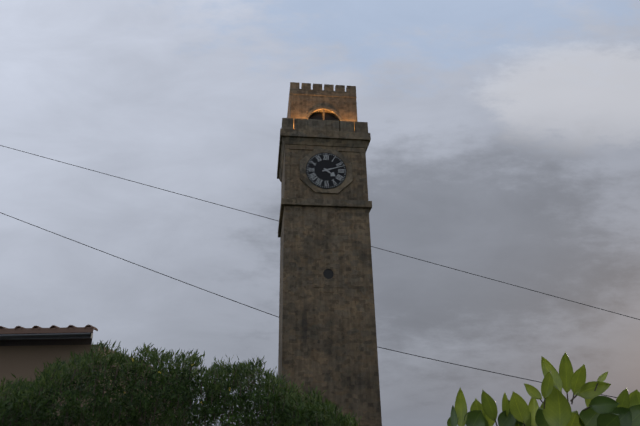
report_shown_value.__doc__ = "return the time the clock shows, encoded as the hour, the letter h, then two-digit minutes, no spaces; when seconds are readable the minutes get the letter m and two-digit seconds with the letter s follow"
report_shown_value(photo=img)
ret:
4h12
